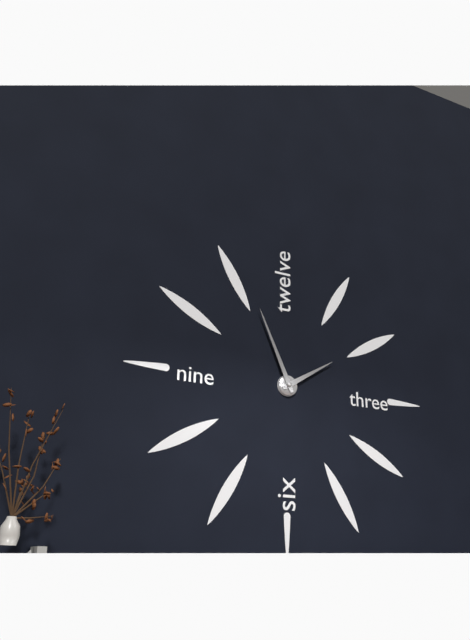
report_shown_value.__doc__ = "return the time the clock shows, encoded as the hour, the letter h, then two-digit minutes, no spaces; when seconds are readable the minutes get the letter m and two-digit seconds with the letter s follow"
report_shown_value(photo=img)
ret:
1h56
